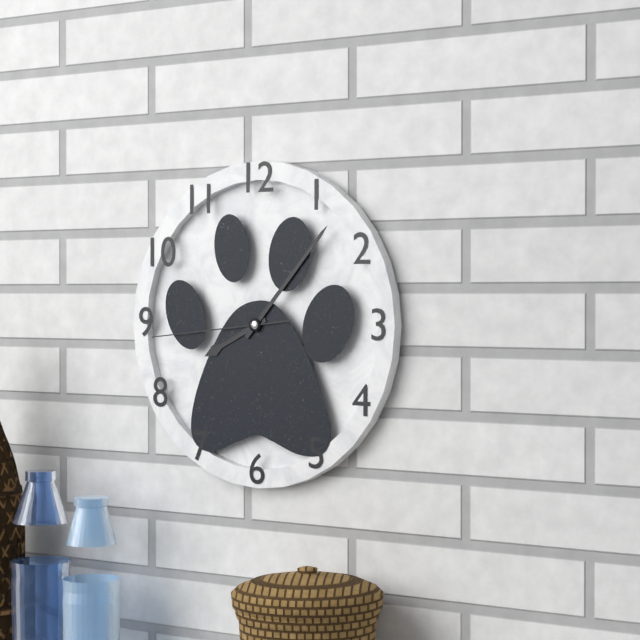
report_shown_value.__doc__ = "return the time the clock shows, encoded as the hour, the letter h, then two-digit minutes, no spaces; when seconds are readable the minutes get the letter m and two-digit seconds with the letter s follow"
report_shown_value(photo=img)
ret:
8h07m44s
